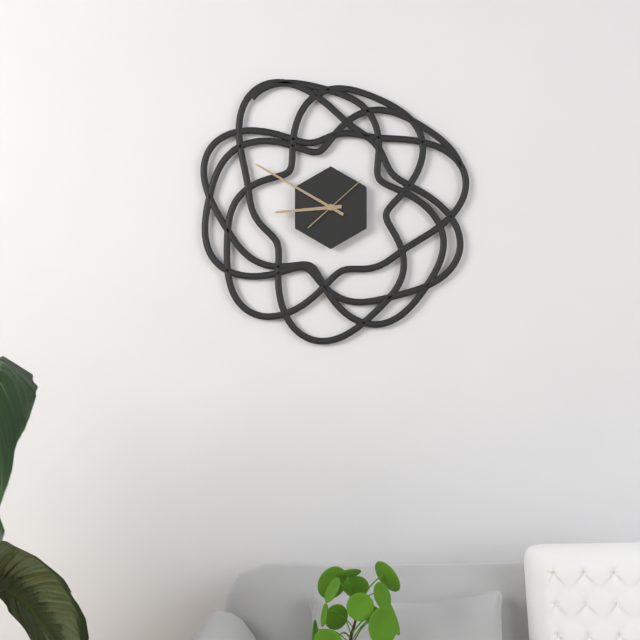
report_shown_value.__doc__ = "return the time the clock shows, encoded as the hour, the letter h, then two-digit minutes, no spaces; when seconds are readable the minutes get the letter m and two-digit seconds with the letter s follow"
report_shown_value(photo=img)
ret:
8h50m08s
